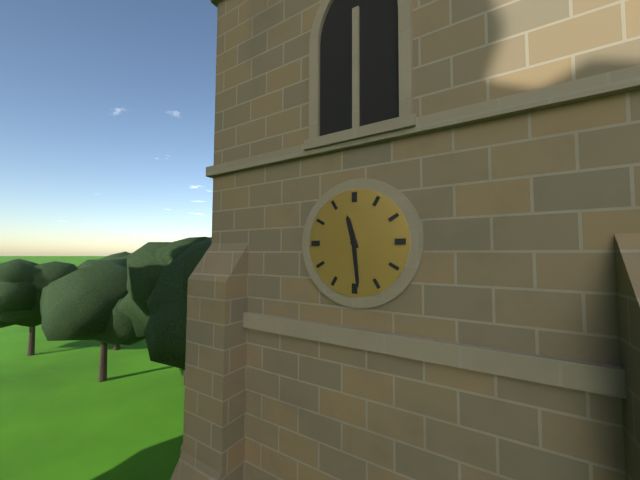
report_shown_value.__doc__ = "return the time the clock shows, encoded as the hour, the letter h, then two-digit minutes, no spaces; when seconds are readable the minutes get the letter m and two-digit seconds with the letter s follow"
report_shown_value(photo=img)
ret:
11h29
